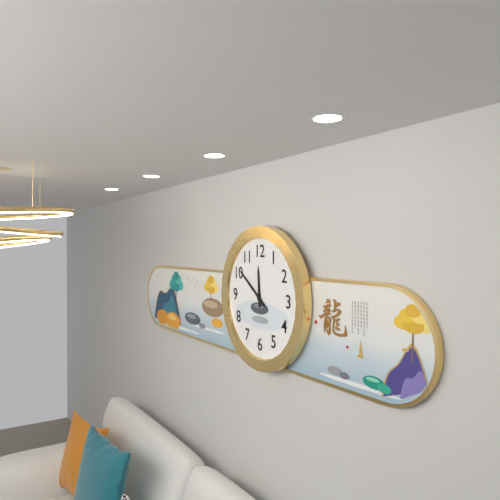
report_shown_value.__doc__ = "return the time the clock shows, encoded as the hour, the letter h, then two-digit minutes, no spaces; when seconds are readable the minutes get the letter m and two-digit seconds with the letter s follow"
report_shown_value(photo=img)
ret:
11h51
